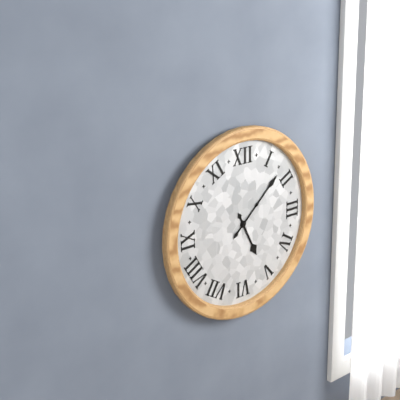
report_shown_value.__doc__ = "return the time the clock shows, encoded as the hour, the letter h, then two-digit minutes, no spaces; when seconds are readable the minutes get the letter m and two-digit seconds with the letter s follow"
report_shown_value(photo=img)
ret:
5h08
